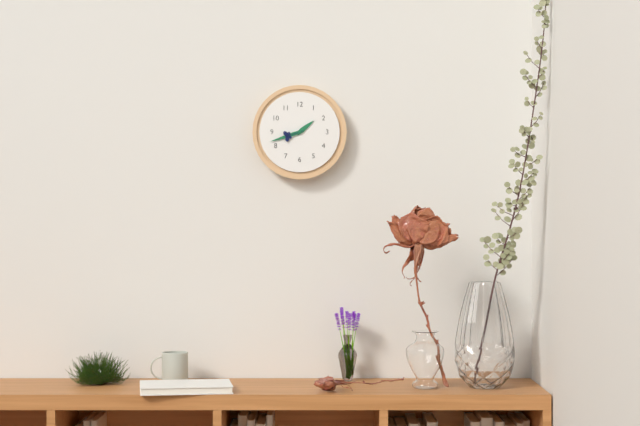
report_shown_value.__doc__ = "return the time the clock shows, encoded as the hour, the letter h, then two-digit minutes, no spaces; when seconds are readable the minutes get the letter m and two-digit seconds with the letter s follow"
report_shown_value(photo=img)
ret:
1h42
